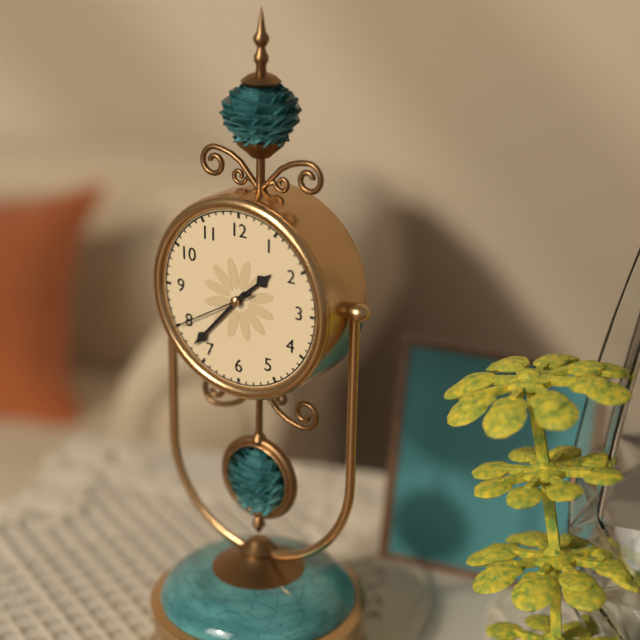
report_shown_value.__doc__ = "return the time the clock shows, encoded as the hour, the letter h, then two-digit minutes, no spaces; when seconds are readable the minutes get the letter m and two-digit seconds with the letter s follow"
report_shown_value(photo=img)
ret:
1h37m40s
